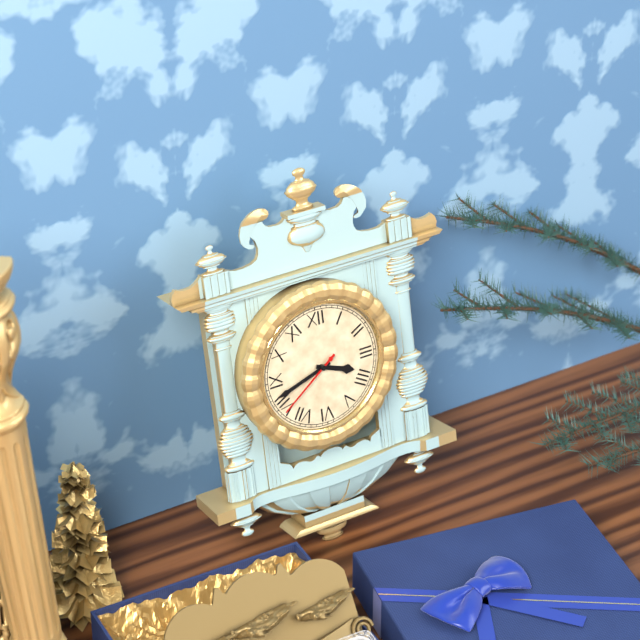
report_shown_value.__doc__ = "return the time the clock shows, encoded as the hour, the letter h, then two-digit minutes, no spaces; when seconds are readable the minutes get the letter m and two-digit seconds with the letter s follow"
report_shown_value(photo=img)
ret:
3h42m39s
